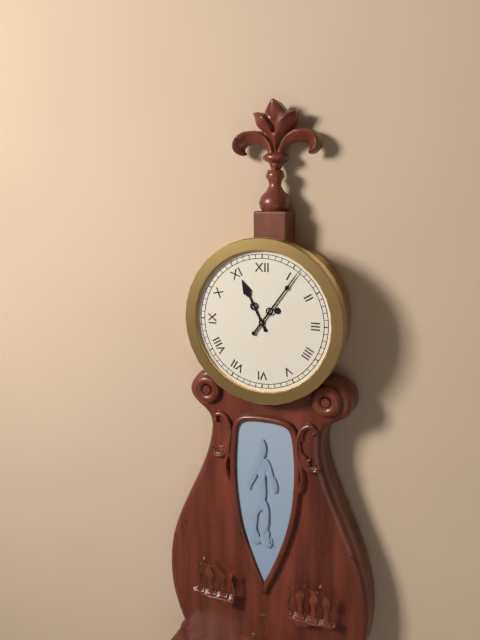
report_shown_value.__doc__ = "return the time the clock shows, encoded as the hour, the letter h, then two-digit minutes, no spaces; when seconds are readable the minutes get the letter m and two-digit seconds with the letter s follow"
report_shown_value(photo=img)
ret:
11h06
